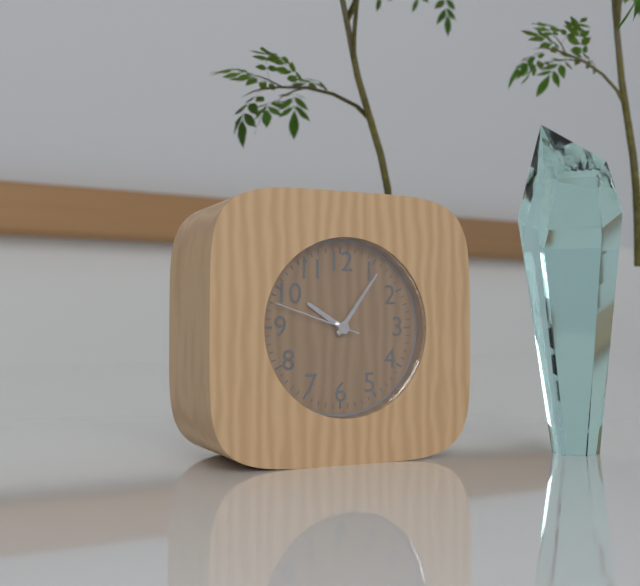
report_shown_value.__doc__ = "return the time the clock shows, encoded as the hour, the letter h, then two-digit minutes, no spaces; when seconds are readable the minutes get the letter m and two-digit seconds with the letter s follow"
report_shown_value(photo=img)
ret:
10h06m48s
